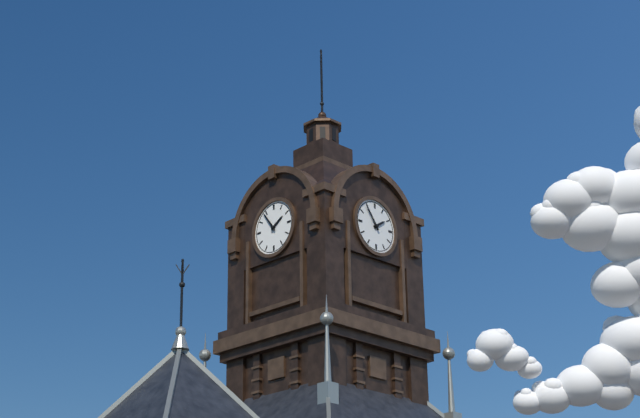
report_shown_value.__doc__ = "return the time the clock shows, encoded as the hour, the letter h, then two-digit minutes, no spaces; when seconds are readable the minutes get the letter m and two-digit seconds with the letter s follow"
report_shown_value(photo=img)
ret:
1h54
